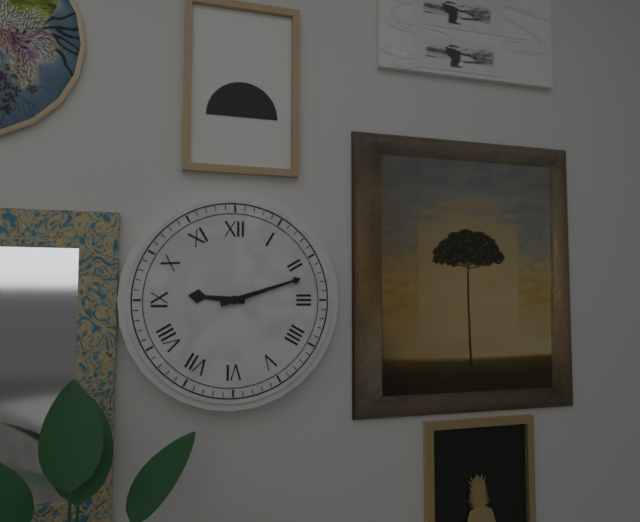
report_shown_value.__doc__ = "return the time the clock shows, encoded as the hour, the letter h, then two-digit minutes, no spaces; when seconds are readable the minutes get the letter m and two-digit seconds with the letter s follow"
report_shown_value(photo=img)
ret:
9h12
